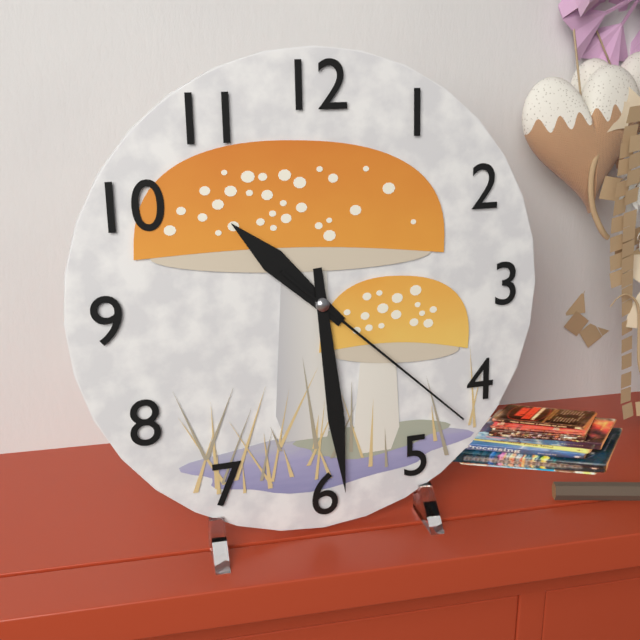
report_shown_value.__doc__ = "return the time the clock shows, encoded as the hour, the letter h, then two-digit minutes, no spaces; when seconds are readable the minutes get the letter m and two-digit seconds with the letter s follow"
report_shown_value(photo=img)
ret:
10h29m22s
